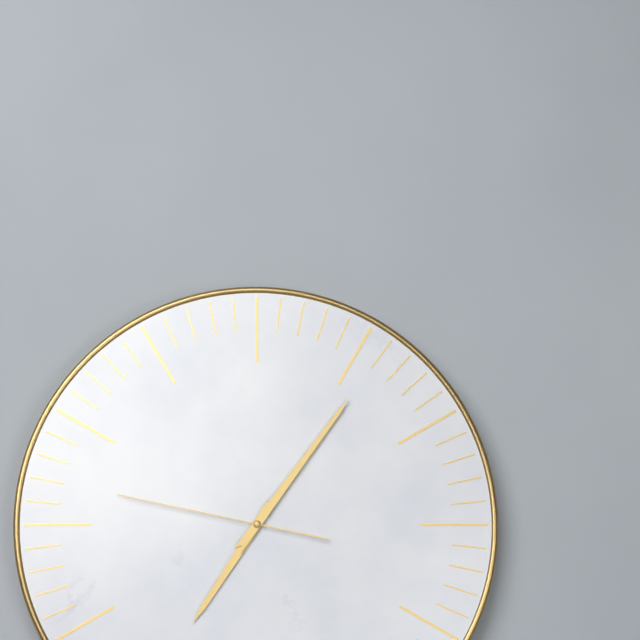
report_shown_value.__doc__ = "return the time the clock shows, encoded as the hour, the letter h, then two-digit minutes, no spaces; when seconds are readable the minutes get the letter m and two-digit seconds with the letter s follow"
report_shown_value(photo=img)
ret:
7h06m47s
